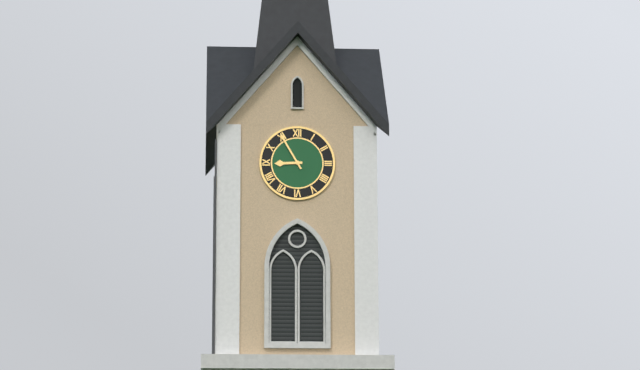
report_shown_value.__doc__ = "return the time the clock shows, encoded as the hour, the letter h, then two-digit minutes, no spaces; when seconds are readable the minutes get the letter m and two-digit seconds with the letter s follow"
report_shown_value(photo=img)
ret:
8h55
